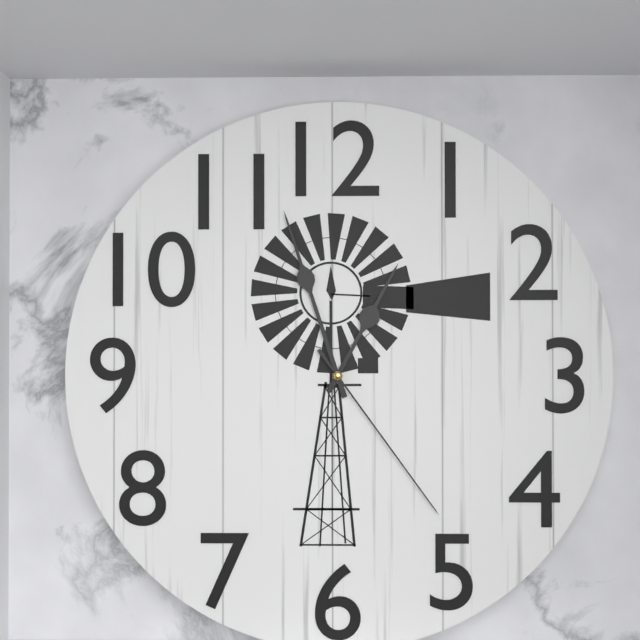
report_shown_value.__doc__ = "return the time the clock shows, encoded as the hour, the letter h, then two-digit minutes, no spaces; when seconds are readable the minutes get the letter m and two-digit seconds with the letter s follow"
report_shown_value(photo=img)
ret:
12h57m24s
